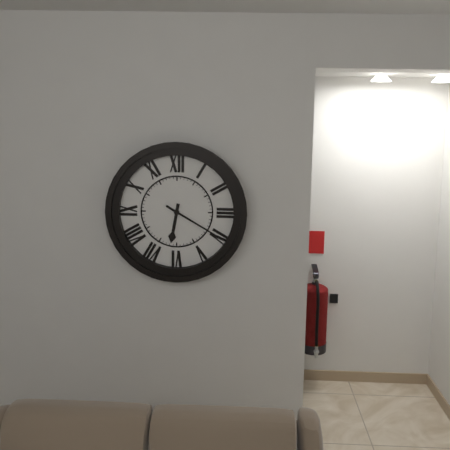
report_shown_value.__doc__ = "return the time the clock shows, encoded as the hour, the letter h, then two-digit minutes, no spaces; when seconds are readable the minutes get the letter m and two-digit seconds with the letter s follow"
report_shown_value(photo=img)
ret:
6h20
